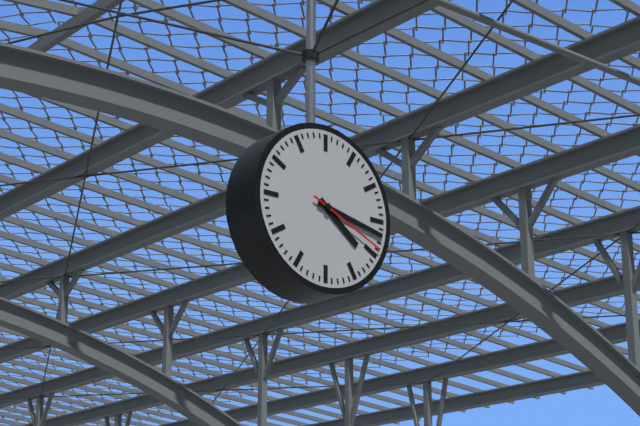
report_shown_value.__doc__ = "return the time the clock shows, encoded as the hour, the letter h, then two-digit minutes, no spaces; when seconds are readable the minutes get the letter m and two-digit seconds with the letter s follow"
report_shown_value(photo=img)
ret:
4h17m19s
